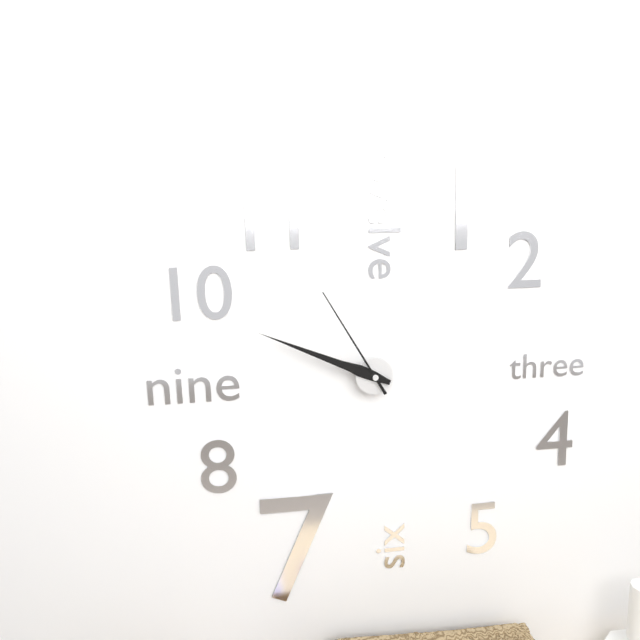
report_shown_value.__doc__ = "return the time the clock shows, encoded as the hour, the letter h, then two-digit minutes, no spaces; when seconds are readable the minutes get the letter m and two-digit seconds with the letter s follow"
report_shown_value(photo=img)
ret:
9h49m55s
